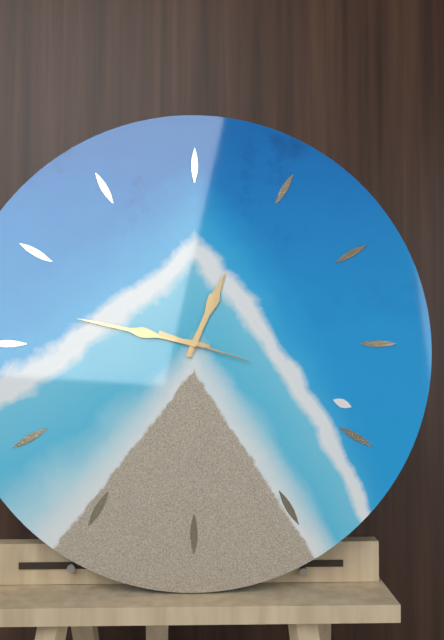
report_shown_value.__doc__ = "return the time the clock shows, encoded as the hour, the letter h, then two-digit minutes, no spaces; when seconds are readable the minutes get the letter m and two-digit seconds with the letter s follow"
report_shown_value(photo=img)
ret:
12h47m18s
